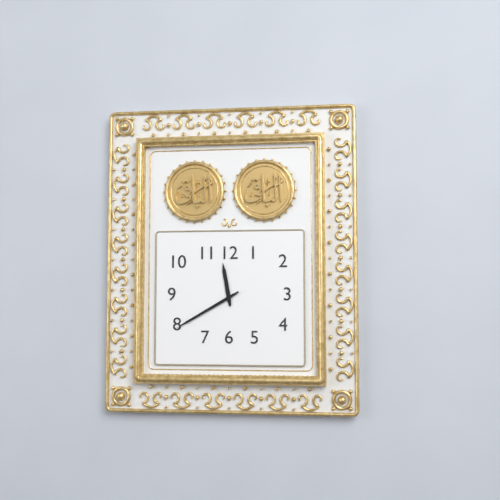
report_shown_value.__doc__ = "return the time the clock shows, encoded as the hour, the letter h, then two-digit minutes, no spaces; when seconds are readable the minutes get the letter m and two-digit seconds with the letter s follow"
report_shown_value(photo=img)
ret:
11h40
